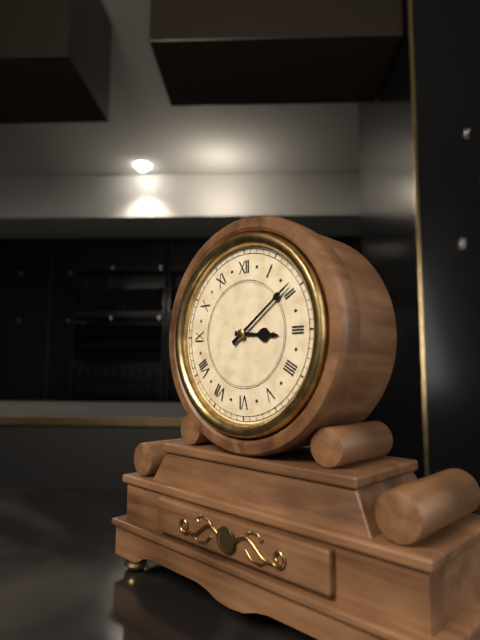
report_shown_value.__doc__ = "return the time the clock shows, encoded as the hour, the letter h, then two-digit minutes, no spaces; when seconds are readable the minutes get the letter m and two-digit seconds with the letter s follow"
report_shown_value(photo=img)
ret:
3h09
